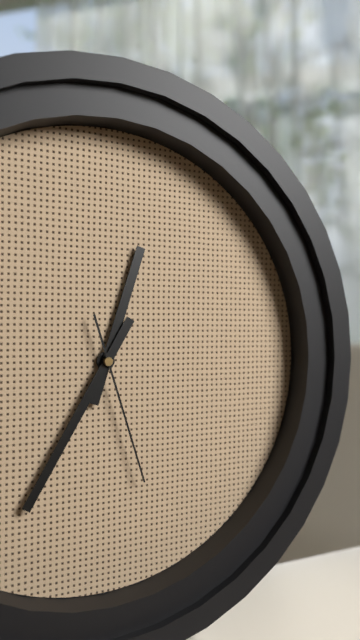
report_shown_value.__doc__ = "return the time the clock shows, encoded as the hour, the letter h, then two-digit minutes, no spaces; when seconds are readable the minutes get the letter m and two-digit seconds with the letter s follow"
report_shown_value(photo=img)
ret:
12h35m27s
